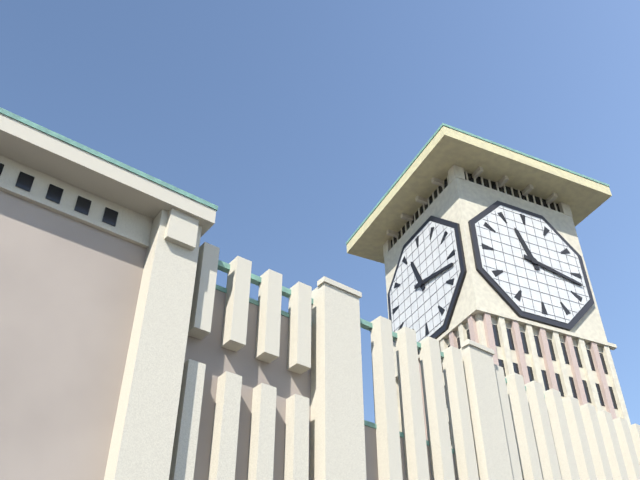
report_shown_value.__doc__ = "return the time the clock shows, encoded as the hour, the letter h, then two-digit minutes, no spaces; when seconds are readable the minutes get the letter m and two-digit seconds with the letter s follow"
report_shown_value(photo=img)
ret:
11h17
